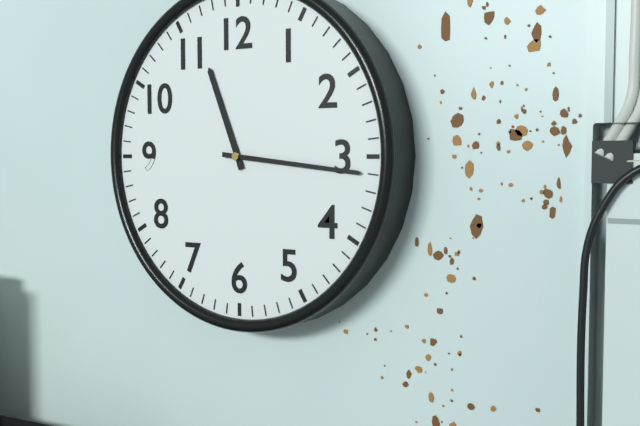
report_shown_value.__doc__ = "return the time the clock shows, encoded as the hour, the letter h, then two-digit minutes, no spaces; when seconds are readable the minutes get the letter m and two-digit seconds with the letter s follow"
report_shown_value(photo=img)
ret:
11h16
